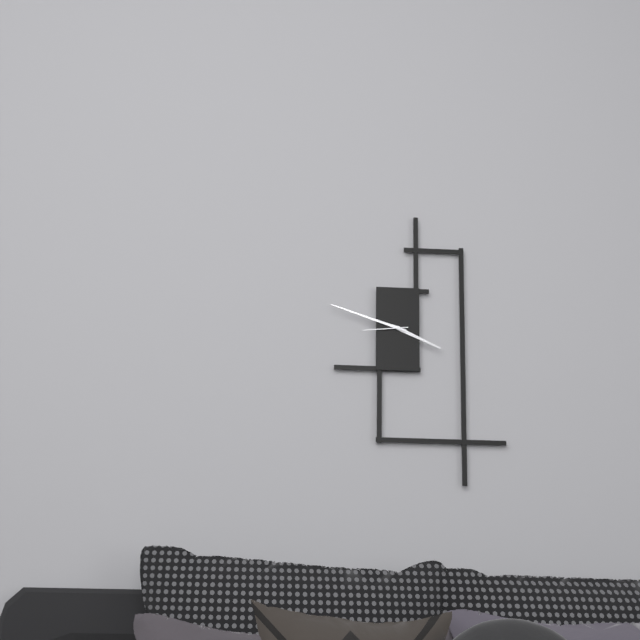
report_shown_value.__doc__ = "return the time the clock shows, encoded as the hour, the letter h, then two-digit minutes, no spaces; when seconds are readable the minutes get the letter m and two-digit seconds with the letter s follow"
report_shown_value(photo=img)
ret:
3h48
